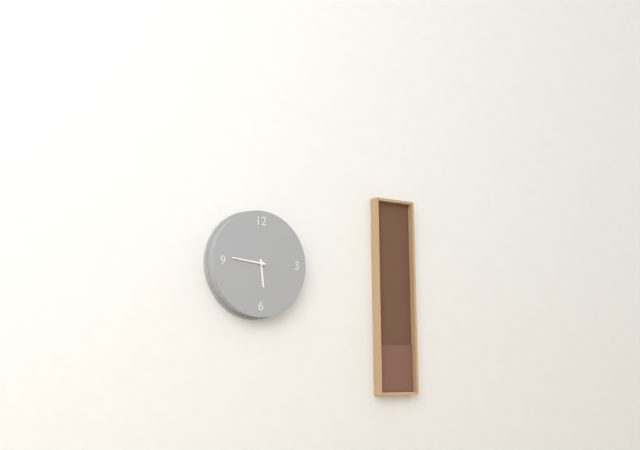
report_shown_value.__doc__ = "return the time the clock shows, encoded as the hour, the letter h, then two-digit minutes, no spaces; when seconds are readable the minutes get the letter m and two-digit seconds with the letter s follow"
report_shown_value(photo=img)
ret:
5h46
